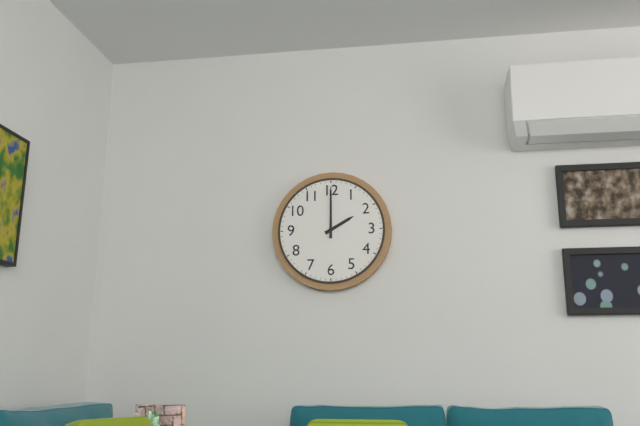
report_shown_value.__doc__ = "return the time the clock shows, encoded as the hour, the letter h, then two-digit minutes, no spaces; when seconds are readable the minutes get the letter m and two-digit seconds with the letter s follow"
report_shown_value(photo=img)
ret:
2h00
